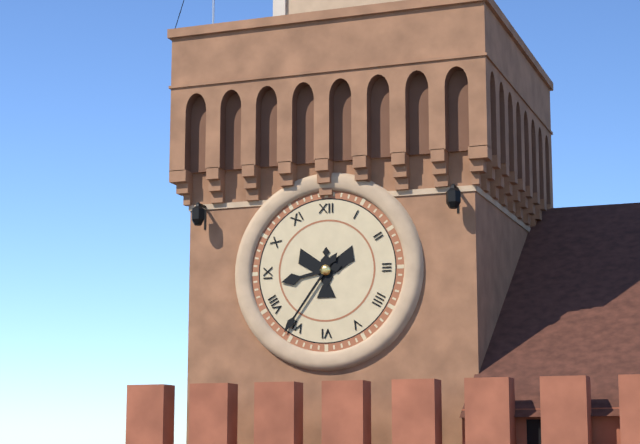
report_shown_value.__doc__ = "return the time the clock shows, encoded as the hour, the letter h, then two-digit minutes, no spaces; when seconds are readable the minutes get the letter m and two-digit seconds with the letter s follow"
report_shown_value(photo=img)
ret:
8h36
